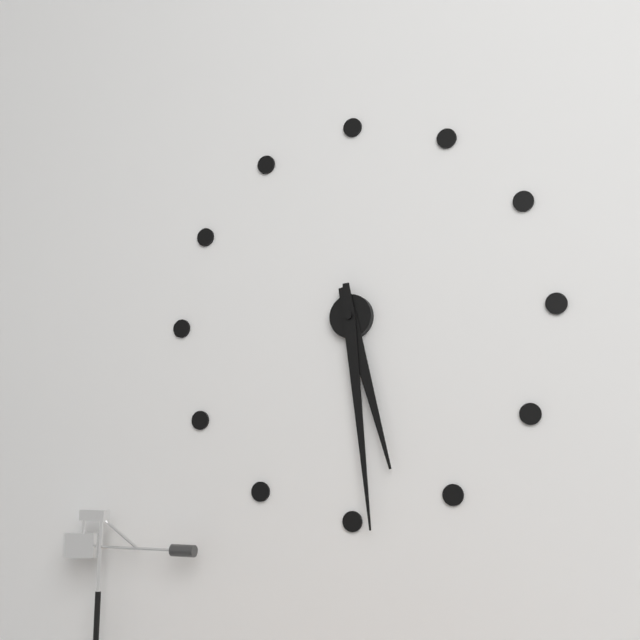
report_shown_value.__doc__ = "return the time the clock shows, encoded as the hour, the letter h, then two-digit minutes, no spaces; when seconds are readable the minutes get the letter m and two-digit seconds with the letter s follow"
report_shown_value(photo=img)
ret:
5h29
